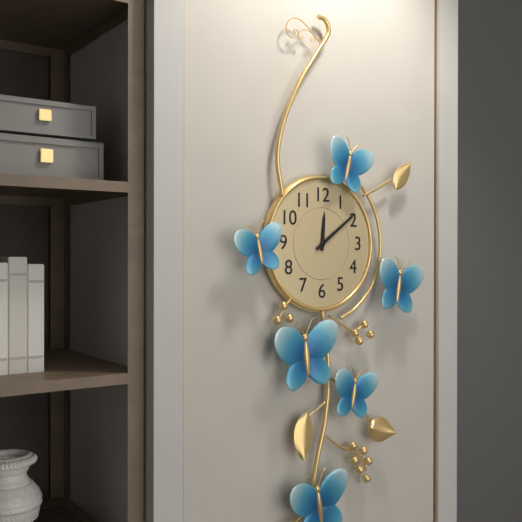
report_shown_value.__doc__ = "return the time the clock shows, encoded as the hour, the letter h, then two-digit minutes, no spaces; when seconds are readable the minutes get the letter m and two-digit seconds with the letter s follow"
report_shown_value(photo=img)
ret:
12h09
